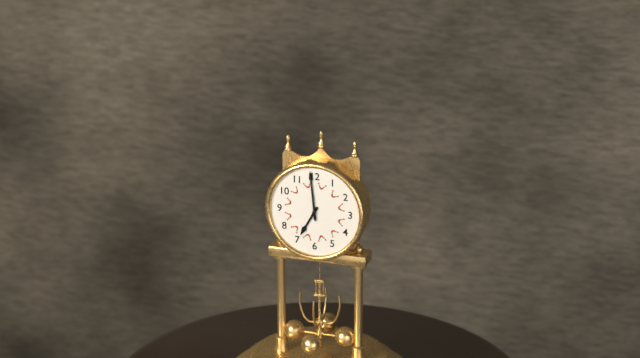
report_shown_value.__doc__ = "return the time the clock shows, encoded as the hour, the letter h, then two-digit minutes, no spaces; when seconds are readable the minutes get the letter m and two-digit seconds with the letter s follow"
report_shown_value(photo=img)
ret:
6h59
